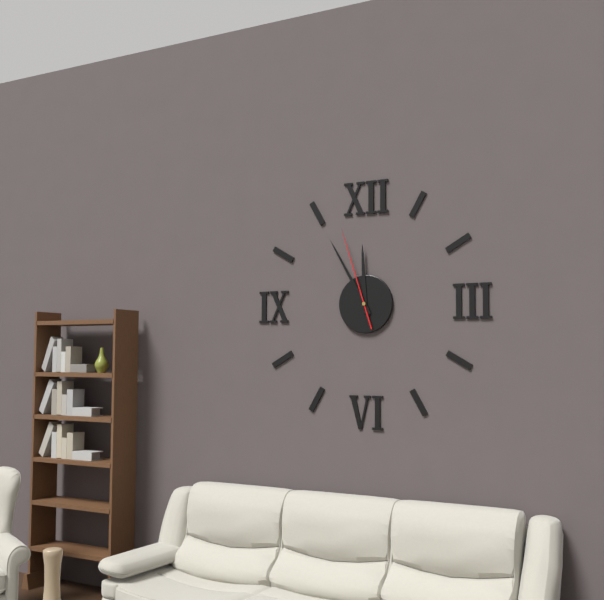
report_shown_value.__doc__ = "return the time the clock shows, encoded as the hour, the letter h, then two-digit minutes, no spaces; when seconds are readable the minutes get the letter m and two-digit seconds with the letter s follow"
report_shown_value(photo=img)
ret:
11h55m57s
